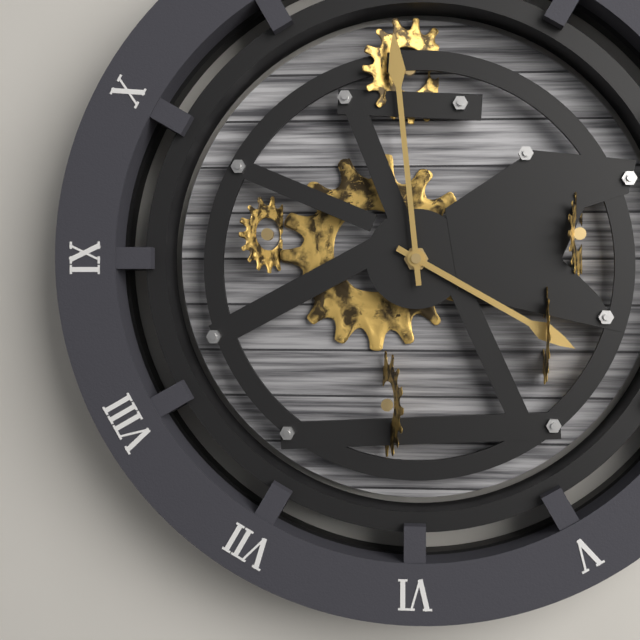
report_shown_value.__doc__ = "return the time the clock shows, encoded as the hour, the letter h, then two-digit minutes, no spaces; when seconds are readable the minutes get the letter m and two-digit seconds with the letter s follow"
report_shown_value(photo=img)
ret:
3h59
